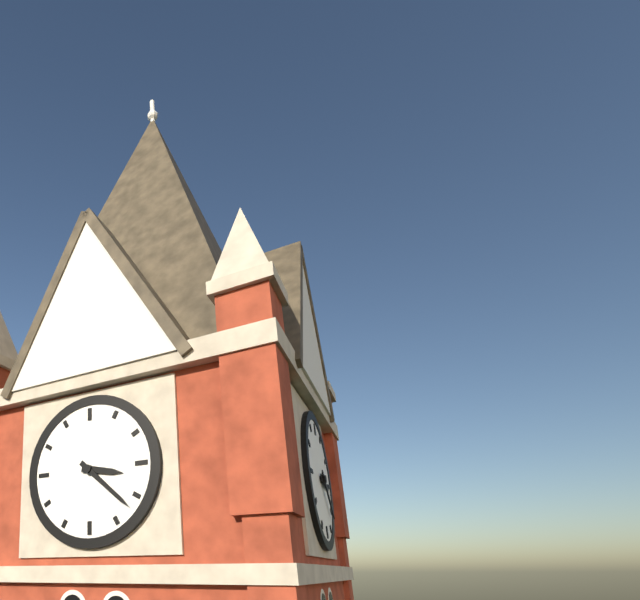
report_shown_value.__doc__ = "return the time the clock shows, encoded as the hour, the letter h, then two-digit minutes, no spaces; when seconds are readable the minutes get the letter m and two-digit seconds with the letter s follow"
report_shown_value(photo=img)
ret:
3h22
